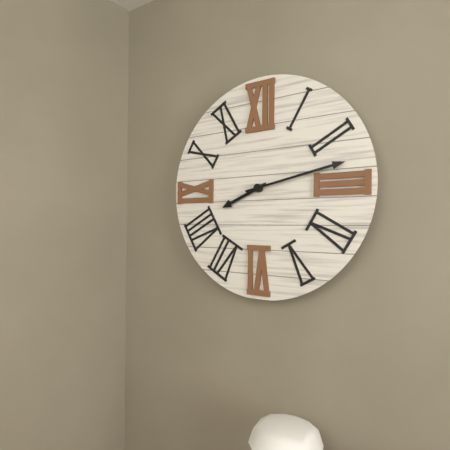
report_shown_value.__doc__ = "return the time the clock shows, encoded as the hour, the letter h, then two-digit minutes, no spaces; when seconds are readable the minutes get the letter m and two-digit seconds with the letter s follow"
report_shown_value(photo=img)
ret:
8h13
